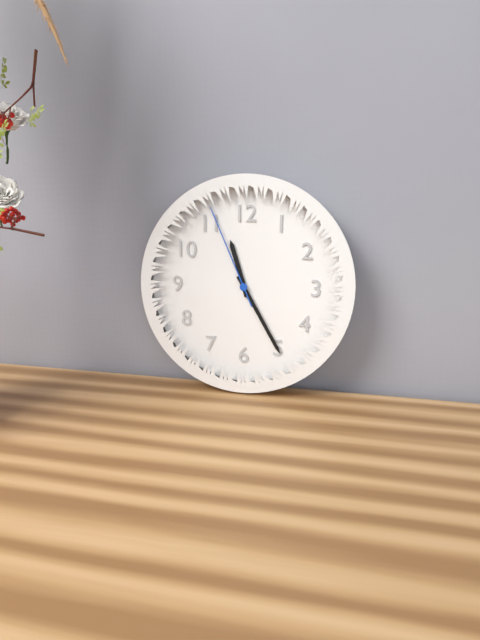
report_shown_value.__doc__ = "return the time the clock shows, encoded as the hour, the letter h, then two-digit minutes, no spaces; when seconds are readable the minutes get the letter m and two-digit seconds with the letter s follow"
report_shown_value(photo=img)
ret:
11h25m56s
